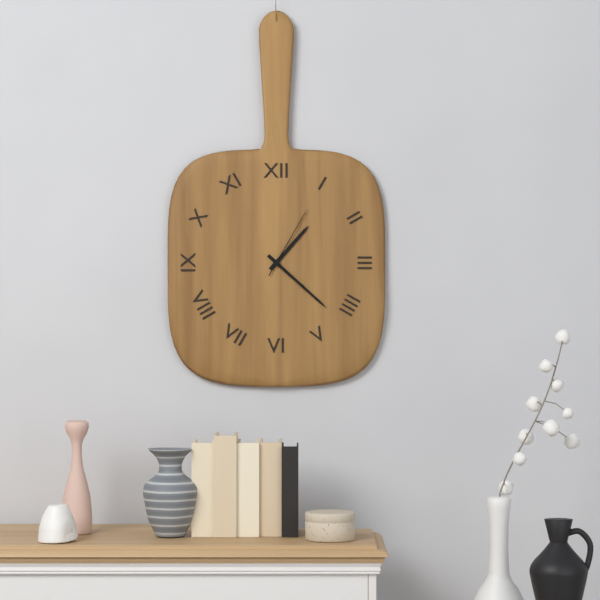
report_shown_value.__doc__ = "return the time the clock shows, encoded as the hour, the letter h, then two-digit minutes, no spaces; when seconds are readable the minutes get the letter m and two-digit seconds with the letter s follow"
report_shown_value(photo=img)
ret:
1h22m05s
